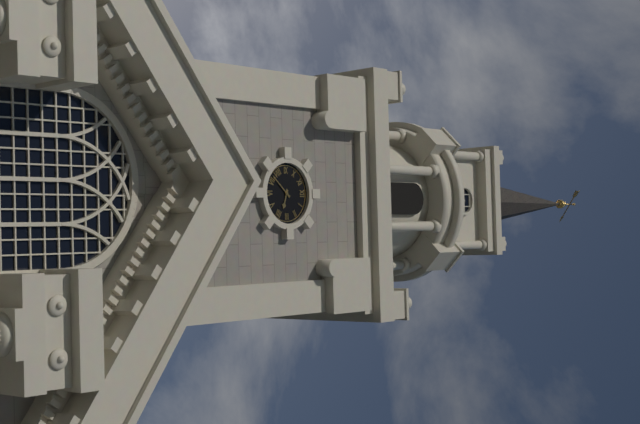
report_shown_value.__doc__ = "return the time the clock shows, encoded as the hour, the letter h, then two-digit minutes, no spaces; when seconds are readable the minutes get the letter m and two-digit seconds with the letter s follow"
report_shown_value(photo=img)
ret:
3h37
